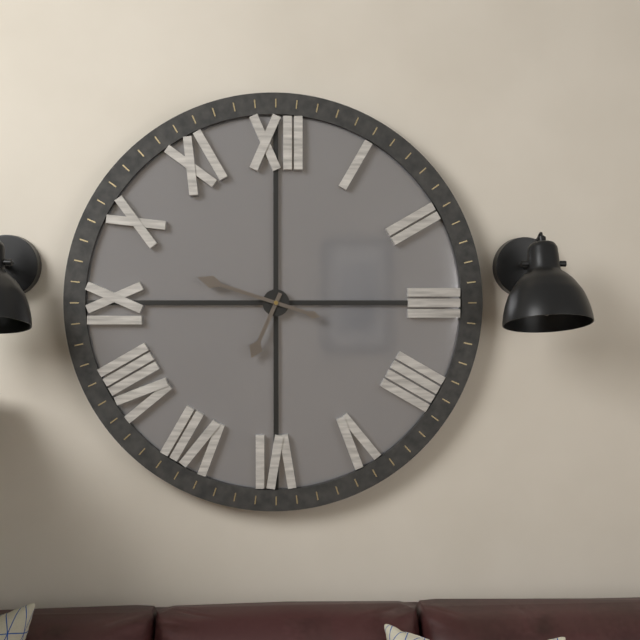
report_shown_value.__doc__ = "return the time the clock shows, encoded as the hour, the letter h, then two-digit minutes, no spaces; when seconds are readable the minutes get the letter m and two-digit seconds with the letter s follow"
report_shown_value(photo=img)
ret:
6h48
